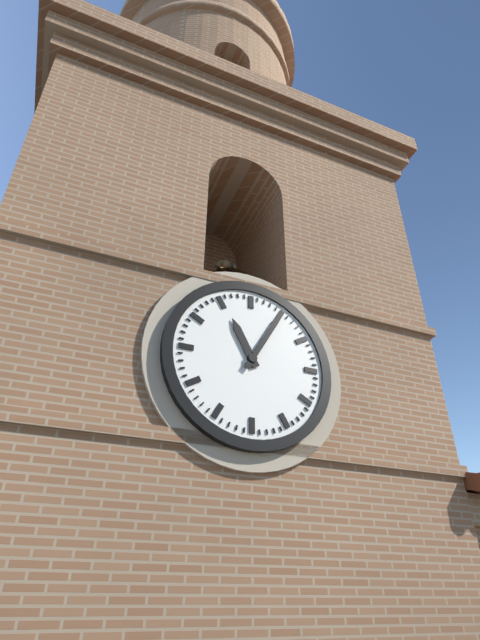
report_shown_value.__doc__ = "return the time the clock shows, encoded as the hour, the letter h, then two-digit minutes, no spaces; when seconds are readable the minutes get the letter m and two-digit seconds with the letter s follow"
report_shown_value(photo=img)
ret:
11h05
